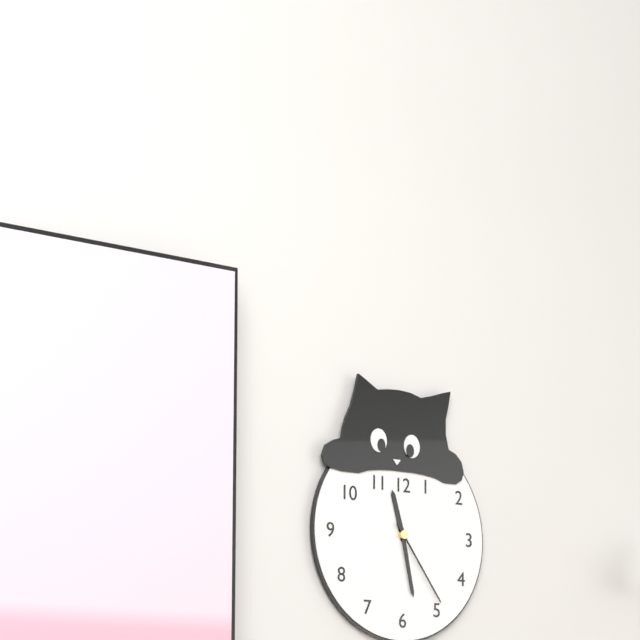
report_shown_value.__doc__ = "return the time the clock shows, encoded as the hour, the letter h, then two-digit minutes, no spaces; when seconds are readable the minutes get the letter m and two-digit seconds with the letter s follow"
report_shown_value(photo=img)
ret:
11h28m24s
